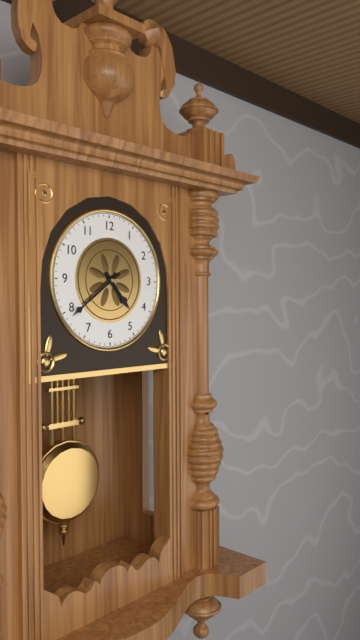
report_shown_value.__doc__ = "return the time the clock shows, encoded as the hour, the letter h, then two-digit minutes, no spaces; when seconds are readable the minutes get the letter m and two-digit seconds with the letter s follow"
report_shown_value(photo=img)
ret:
4h39
